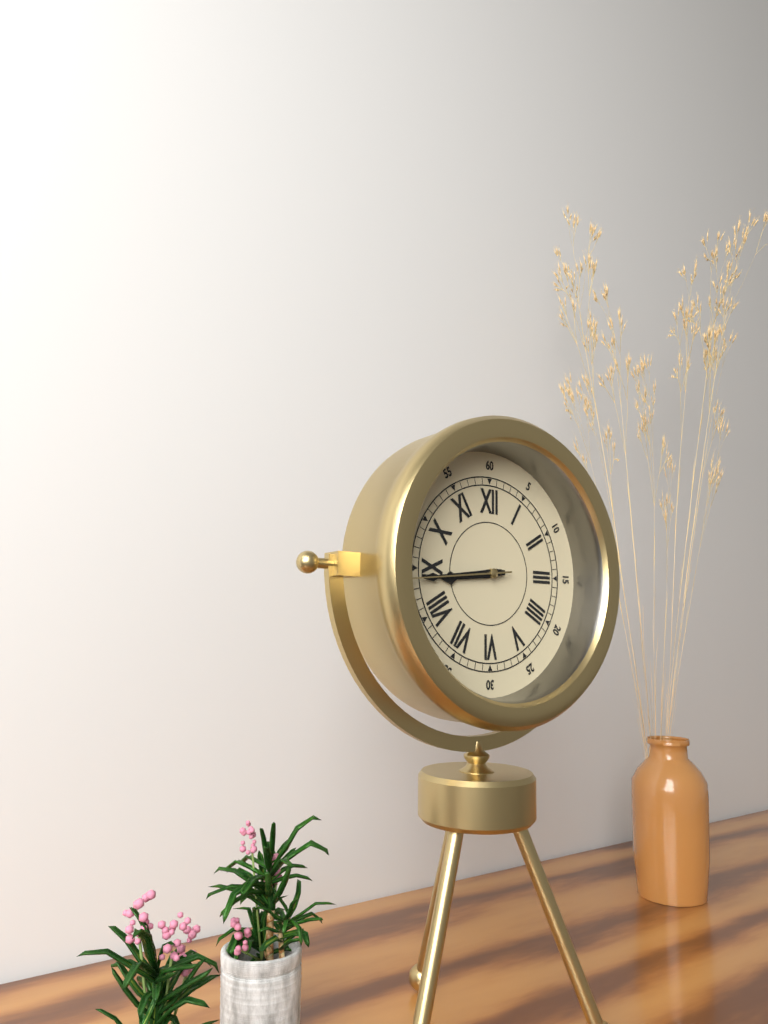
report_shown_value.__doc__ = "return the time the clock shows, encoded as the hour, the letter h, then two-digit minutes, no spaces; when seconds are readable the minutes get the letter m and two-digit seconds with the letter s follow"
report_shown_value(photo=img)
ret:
8h44m44s
